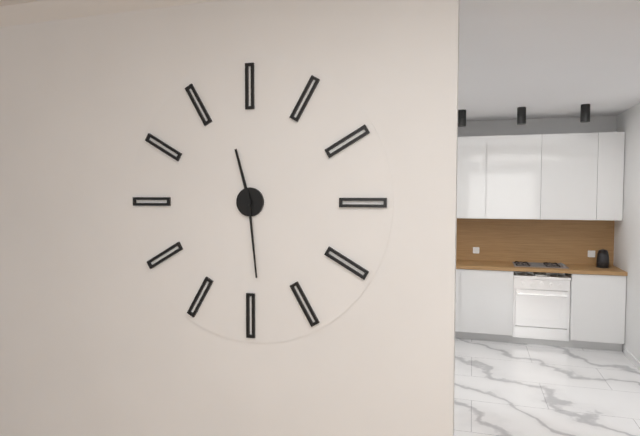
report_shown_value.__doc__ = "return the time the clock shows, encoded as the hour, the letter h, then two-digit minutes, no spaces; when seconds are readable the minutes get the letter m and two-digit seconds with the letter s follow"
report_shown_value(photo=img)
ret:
11h29
